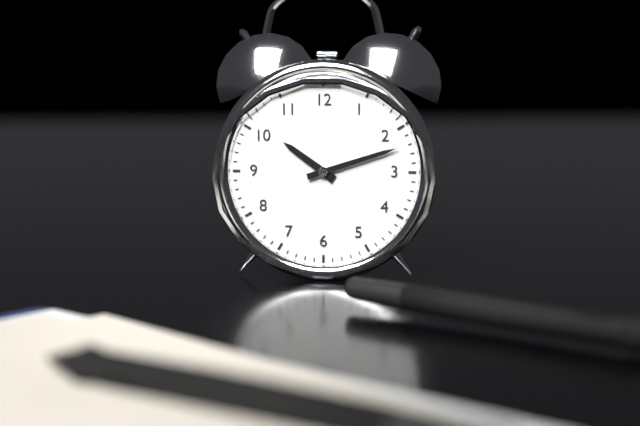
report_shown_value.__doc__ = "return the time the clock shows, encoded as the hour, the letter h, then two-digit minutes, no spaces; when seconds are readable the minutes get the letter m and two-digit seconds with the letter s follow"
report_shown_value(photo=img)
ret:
10h12
